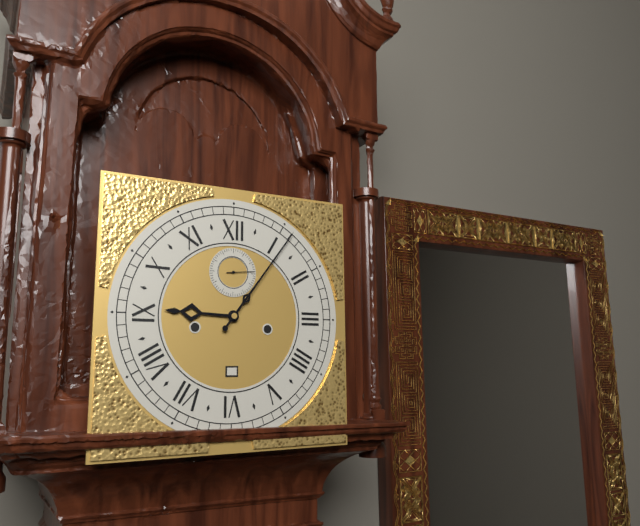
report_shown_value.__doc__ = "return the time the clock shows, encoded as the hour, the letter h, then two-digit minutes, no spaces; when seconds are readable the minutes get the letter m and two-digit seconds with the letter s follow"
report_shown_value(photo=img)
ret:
9h06
